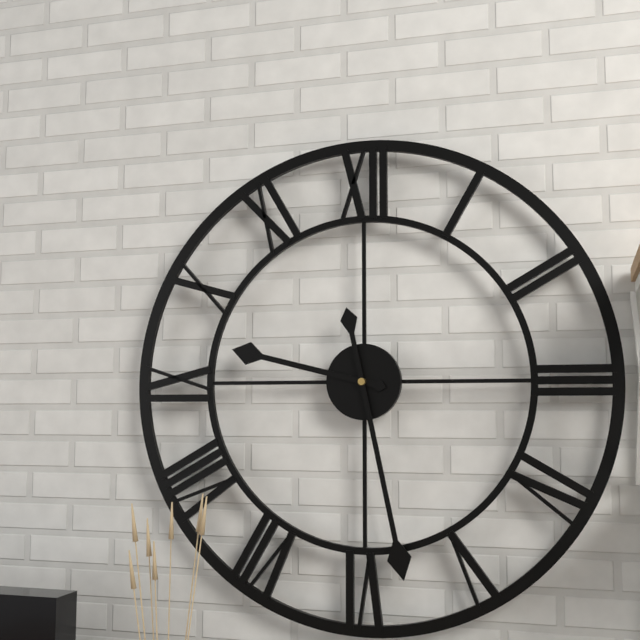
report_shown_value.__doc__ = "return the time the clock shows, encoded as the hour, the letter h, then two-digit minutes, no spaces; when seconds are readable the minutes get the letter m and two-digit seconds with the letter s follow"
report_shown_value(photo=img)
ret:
9h28
